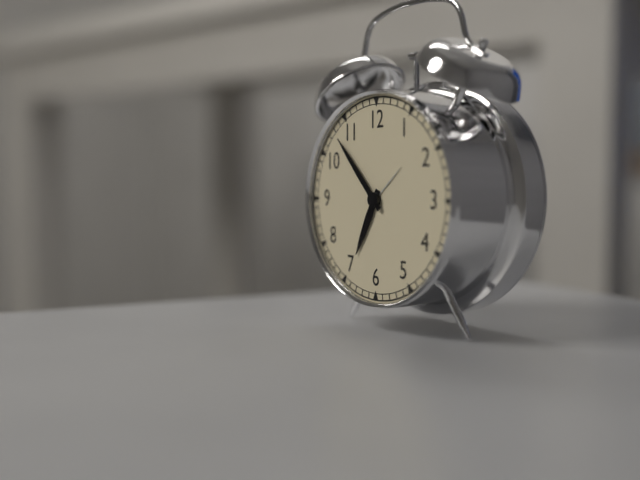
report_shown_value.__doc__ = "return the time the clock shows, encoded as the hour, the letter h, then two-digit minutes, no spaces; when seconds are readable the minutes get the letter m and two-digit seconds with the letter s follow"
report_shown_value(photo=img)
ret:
6h53
